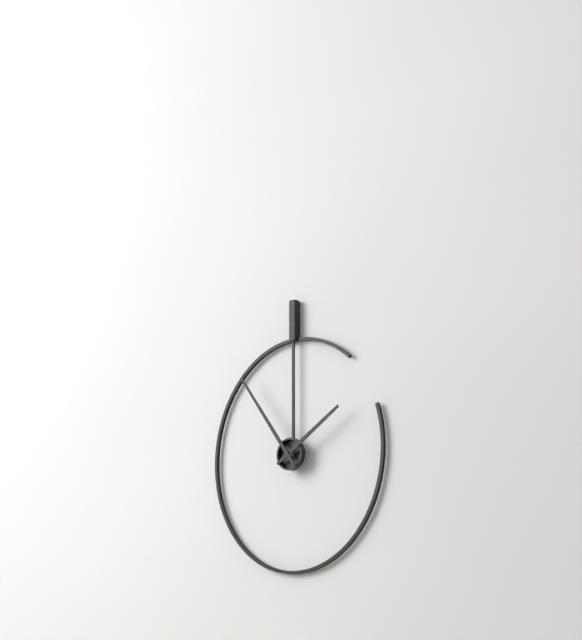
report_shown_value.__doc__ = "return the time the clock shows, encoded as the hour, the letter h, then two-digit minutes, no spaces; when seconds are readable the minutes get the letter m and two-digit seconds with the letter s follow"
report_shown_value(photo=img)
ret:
1h54
